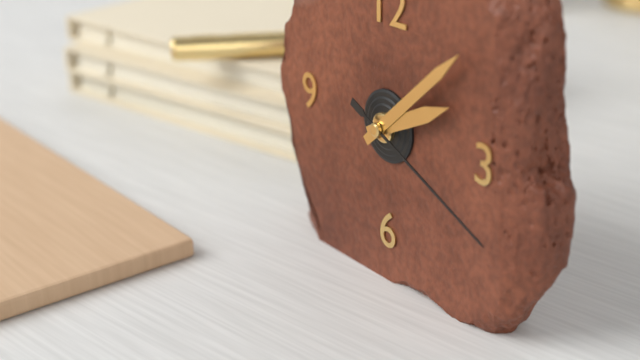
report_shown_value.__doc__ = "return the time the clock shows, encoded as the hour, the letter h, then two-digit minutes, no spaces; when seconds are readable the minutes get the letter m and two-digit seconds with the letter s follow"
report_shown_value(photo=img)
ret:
2h08m19s
